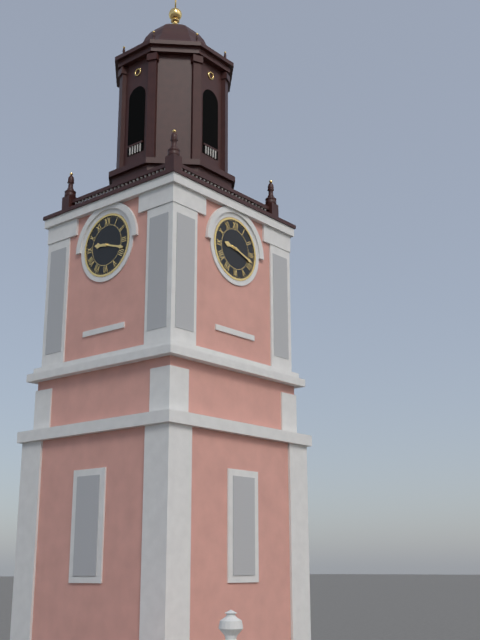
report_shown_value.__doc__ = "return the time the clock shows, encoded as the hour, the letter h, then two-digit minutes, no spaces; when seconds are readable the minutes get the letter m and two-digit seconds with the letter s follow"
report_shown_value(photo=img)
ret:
9h18
